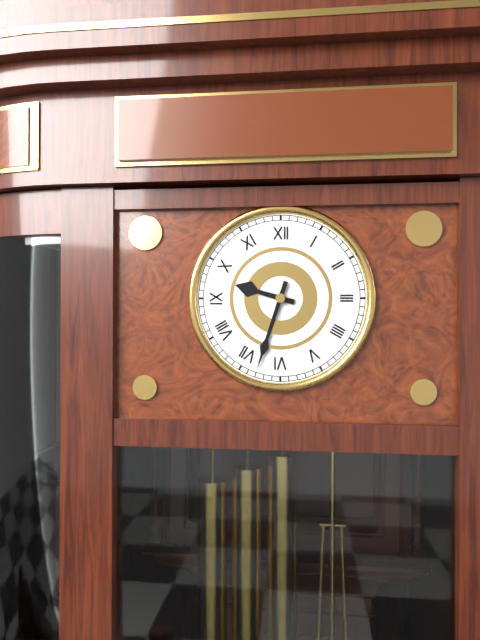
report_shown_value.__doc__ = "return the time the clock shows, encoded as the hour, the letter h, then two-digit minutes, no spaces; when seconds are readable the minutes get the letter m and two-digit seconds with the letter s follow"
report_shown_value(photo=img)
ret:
9h33
